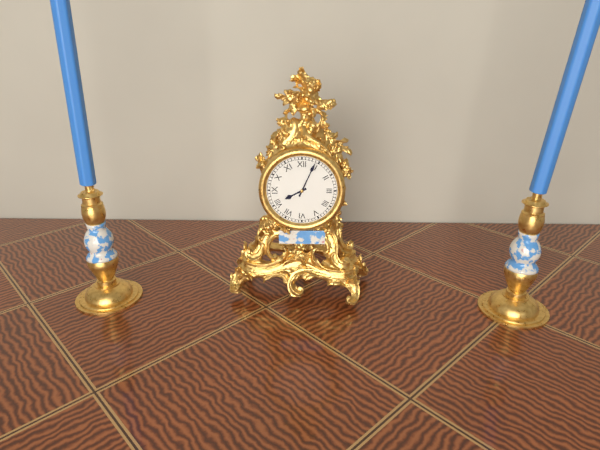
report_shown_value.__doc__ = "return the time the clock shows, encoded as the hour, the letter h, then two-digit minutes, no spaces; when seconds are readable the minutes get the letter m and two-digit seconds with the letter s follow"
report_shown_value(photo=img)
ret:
8h04
